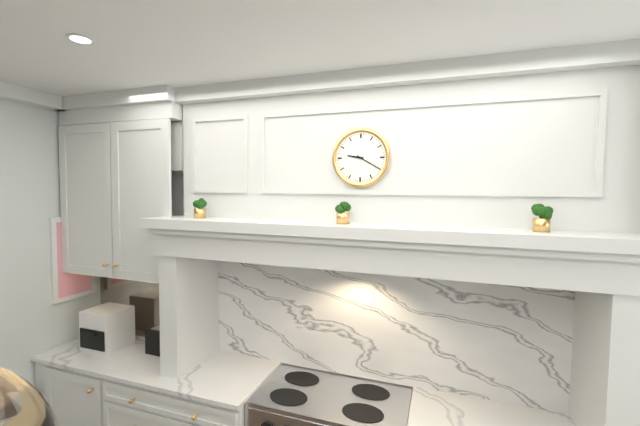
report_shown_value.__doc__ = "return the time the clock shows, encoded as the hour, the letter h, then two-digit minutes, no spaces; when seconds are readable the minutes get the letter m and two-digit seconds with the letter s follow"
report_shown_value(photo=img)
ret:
9h20
